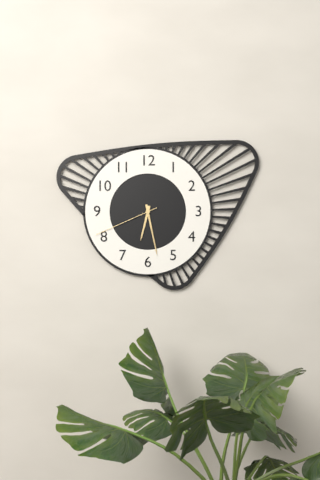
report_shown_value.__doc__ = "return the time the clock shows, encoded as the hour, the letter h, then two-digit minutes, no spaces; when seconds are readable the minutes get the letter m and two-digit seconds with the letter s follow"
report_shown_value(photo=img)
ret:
6h28m41s
